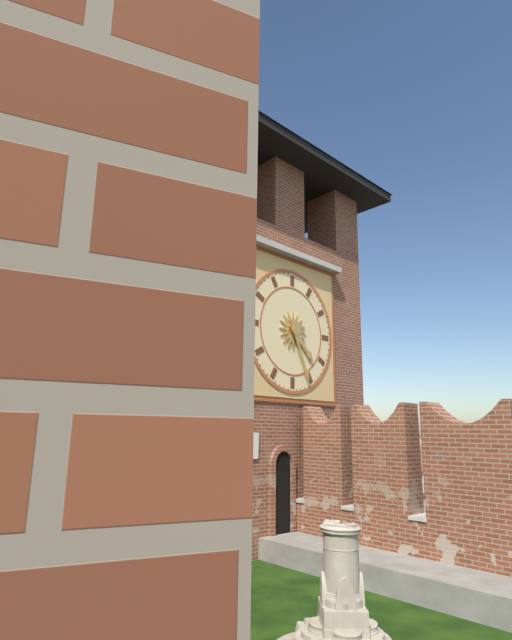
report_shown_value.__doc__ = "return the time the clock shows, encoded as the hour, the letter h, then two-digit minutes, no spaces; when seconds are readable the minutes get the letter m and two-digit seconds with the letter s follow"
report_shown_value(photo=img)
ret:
4h26
